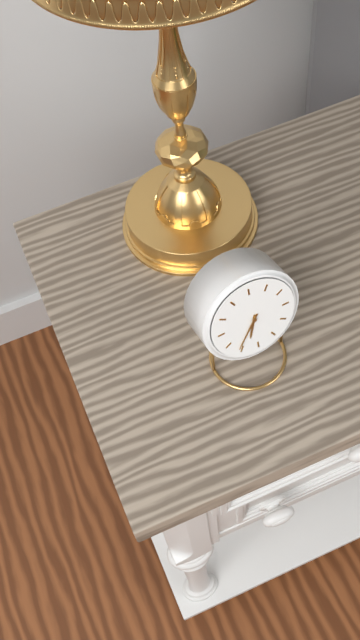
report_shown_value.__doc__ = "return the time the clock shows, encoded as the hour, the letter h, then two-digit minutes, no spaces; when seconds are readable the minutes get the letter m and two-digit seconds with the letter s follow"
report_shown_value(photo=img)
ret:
6h36
